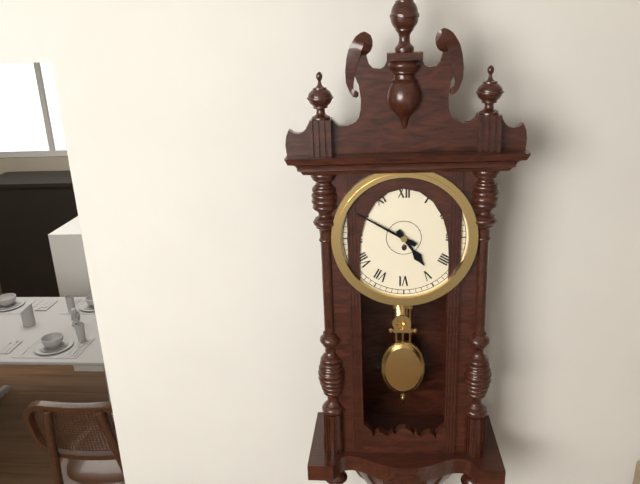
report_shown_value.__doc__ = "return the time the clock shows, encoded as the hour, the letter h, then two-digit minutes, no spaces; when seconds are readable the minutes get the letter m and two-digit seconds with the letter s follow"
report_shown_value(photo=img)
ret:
4h50
